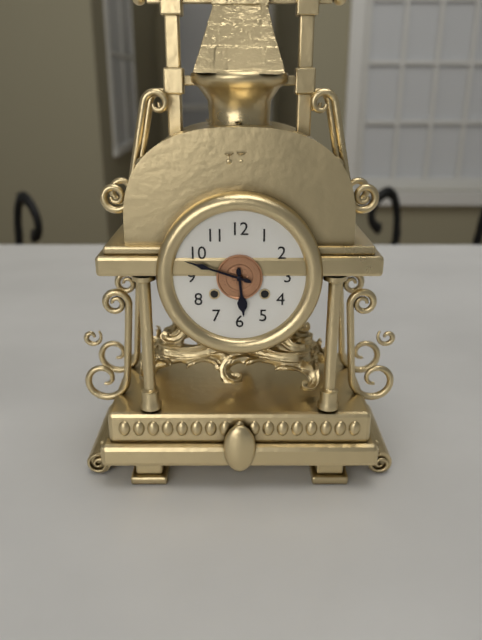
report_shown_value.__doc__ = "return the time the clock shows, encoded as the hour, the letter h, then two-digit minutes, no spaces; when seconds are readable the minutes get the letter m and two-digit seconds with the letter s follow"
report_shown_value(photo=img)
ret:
5h48
